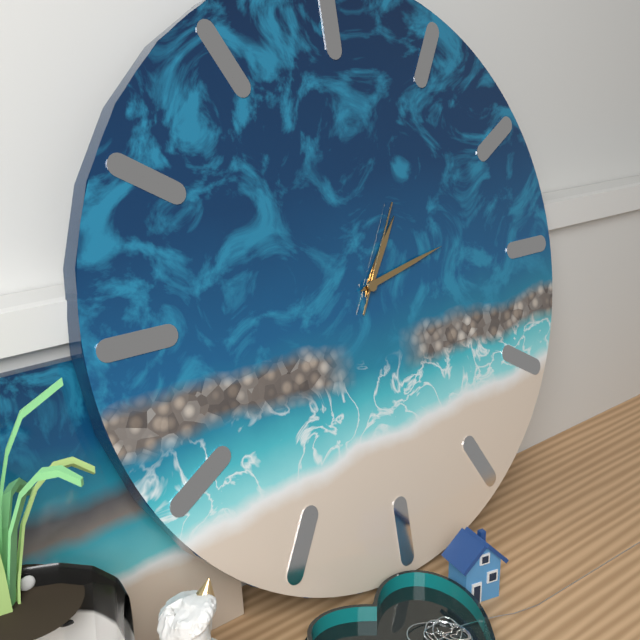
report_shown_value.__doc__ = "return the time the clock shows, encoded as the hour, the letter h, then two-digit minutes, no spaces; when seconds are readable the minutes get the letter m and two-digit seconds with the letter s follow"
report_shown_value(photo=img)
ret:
1h13m05s
